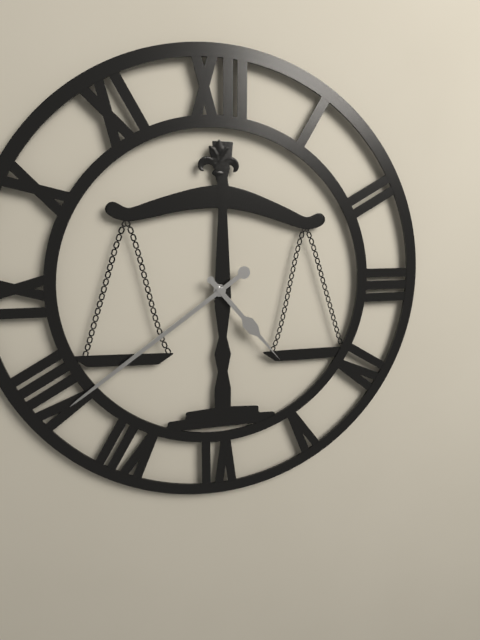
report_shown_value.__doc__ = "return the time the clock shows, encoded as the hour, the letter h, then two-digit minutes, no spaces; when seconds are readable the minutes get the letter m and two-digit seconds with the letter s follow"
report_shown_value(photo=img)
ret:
4h39
